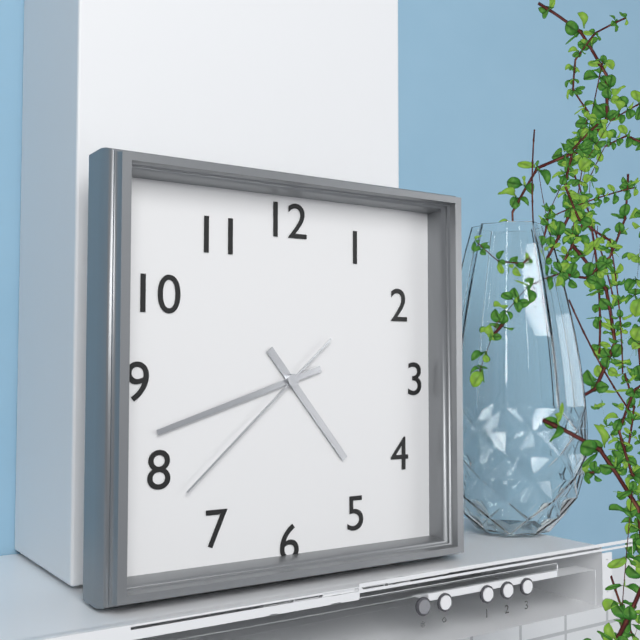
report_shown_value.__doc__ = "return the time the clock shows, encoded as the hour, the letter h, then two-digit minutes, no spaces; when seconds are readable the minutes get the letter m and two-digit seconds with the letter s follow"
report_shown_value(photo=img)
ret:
4h42m38s
